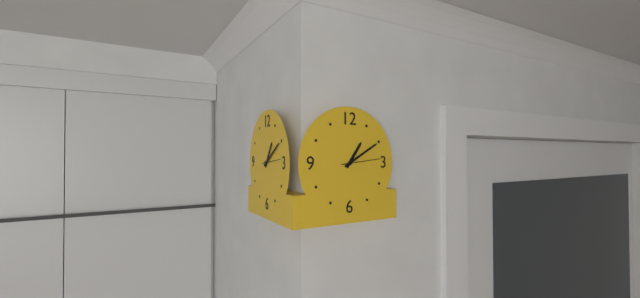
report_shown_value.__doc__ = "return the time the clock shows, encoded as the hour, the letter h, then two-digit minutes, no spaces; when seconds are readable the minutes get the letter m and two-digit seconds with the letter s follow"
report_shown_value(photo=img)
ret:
1h10
